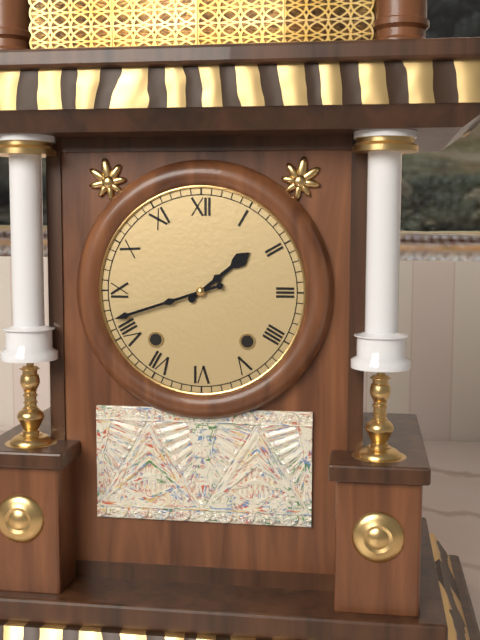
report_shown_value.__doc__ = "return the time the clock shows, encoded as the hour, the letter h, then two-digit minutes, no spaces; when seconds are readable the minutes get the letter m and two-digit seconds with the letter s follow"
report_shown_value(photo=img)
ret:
1h42
